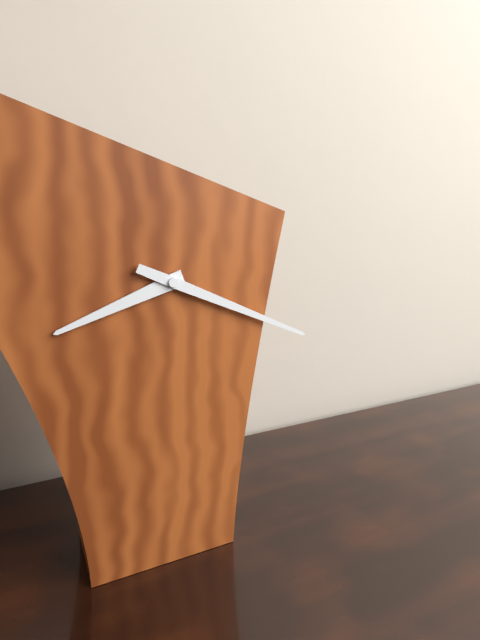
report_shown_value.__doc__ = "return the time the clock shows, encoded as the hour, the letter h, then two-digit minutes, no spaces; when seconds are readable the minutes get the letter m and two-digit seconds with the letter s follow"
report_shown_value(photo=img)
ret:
8h19
